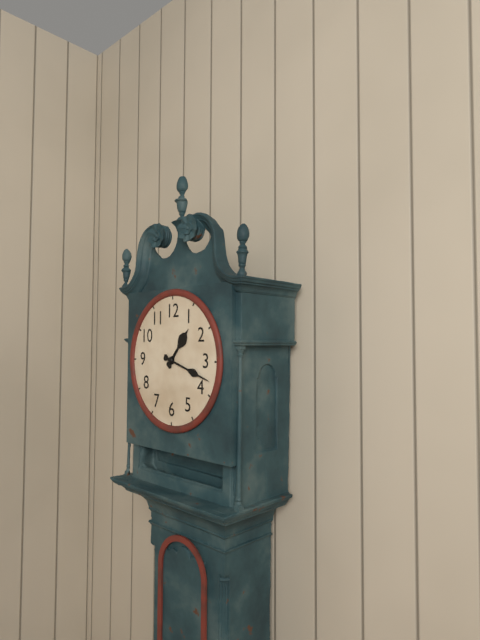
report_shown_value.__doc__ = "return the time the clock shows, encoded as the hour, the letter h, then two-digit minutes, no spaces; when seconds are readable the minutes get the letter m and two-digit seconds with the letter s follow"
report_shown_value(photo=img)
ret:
1h18
